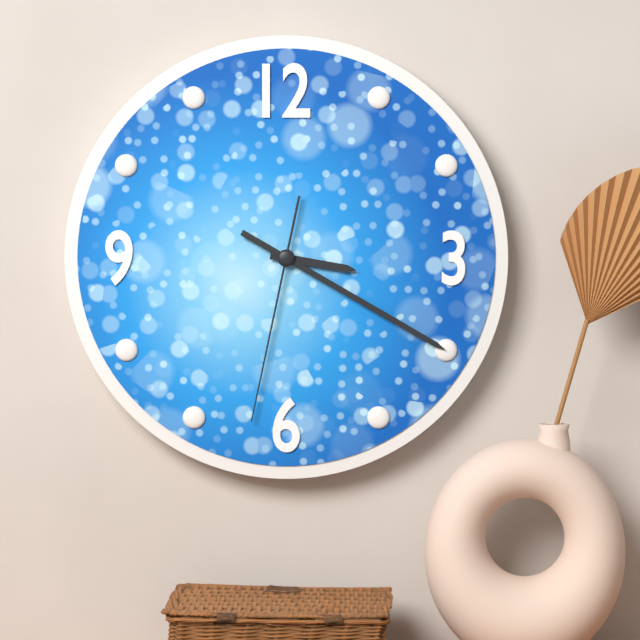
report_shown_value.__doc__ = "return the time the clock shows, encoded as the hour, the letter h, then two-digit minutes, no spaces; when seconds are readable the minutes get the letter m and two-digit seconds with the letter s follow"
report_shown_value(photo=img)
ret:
3h20m32s
